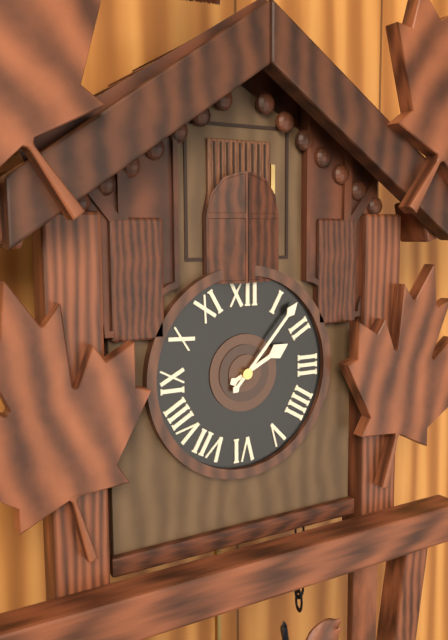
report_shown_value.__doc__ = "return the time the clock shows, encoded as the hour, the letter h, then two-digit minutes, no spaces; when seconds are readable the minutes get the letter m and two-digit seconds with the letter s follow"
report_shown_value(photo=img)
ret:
2h07
